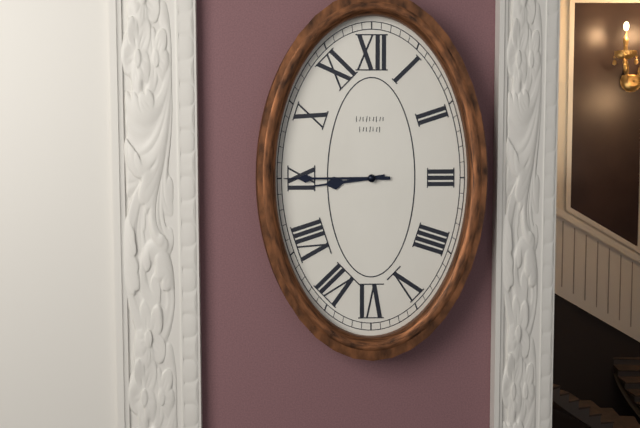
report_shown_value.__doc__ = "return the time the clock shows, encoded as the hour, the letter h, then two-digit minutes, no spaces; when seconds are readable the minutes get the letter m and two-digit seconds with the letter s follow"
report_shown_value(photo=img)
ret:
8h45
